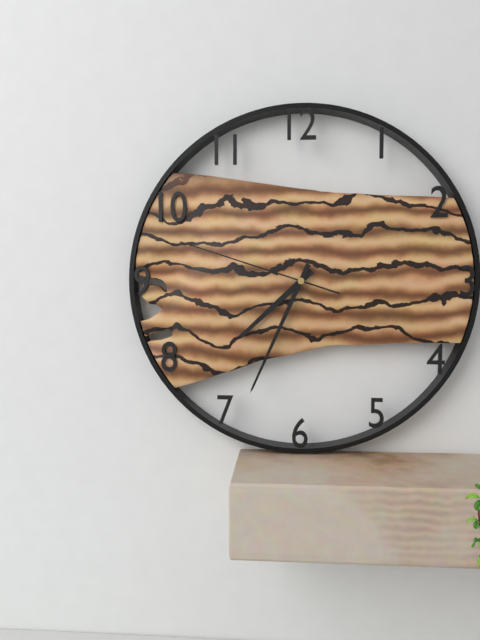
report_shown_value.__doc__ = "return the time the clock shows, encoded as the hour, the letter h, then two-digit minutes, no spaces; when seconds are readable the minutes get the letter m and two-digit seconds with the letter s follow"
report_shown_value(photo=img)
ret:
7h34m48s
